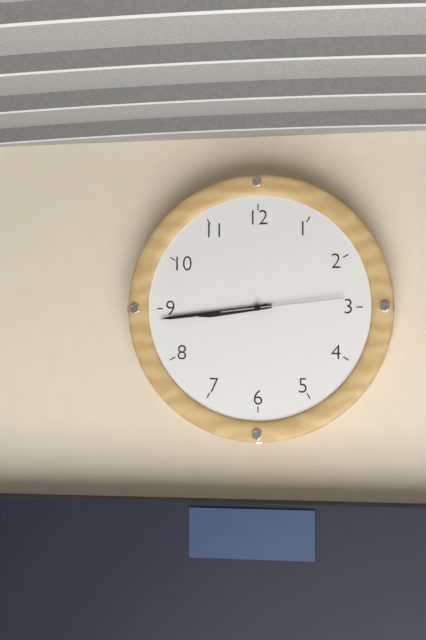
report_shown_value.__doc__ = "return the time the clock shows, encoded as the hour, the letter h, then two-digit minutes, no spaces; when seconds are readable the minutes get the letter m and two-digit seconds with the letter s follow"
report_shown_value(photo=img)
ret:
8h44m14s
